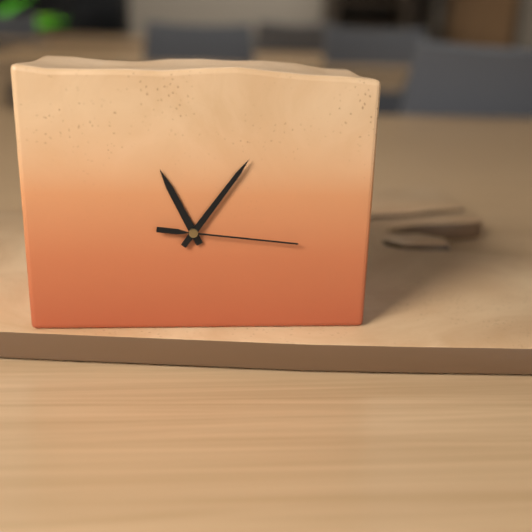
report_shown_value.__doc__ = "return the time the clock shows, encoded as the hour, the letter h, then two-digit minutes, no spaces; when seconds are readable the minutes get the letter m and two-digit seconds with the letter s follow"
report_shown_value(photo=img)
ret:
11h06m16s
